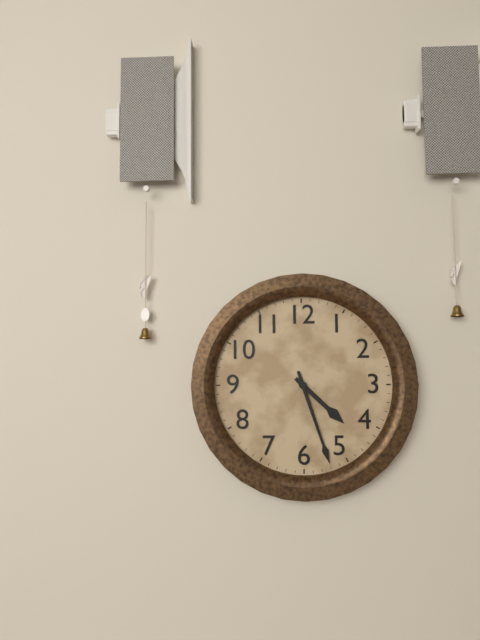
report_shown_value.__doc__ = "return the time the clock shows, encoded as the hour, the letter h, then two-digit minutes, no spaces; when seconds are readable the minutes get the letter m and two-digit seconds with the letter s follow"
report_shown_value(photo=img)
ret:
4h27
